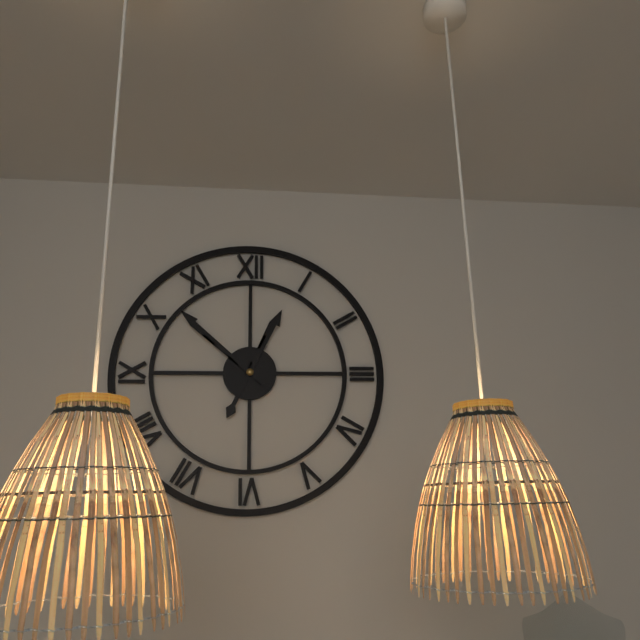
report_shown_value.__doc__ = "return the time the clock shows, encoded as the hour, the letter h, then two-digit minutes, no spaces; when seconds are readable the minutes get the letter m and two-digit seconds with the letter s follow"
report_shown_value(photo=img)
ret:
12h52
